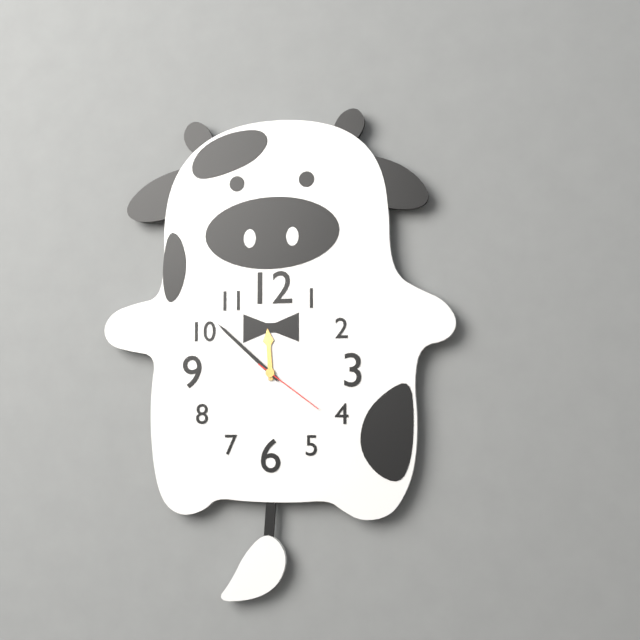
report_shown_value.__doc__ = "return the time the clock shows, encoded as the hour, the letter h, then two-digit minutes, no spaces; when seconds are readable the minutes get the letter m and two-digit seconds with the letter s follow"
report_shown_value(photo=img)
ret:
11h52m21s
